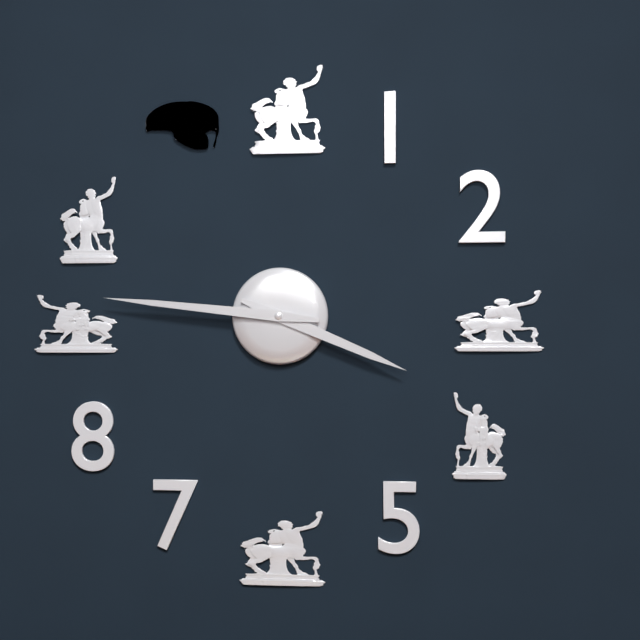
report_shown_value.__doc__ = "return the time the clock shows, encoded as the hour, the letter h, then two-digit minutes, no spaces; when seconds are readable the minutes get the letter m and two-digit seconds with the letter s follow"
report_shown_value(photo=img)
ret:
3h46
